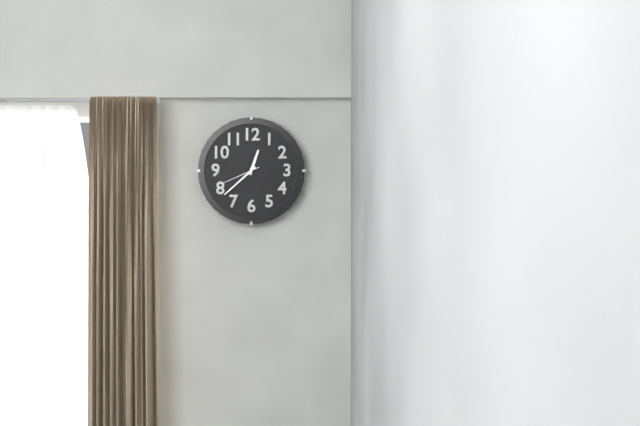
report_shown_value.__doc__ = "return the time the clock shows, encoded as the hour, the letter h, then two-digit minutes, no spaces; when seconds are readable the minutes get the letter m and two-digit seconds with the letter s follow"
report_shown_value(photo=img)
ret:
12h38
